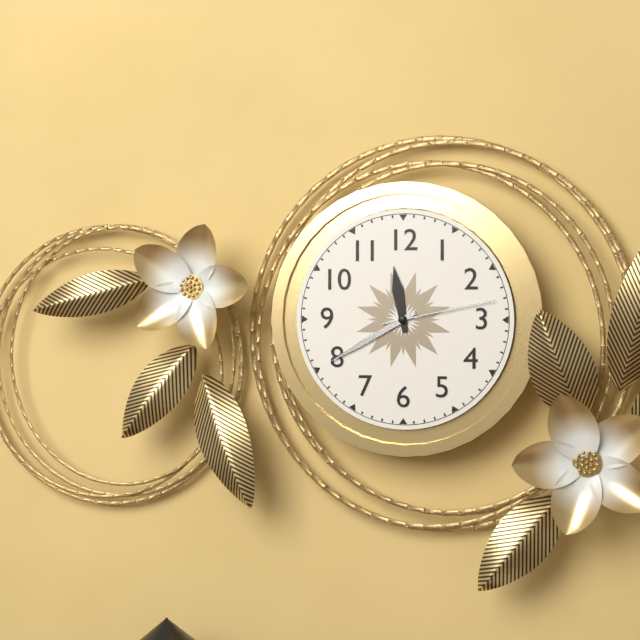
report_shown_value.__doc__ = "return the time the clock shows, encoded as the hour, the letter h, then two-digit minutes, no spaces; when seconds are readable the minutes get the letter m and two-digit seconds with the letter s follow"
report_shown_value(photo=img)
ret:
11h40m13s
